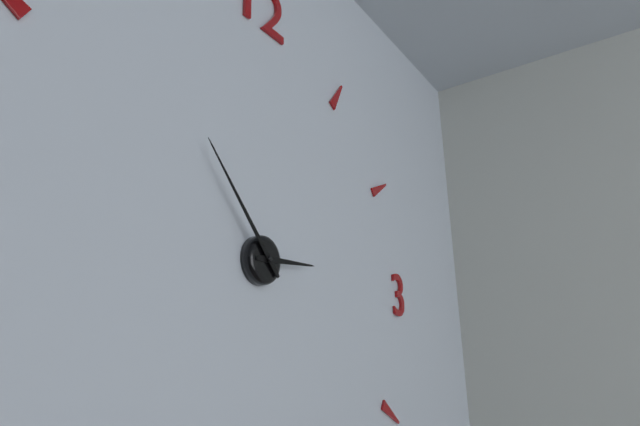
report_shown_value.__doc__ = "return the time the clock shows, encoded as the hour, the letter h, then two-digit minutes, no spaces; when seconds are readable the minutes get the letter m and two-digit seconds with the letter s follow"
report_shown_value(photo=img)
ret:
2h53
